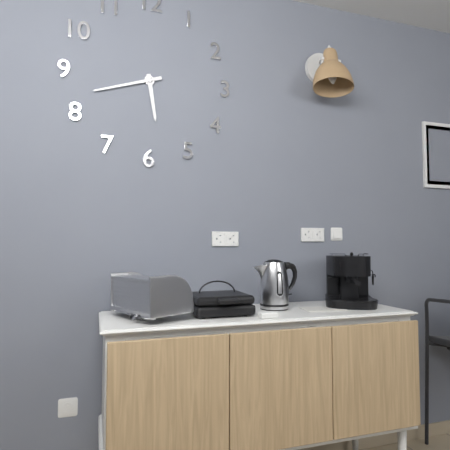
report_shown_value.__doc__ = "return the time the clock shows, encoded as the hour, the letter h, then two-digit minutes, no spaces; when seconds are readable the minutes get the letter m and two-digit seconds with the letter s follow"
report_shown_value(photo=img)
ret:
5h42
